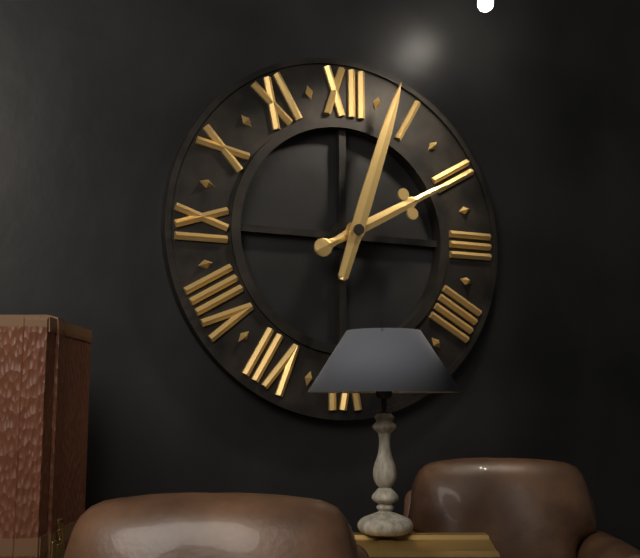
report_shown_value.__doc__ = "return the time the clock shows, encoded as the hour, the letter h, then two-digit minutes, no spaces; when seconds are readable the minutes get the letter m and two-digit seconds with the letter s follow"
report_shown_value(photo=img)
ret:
2h03
